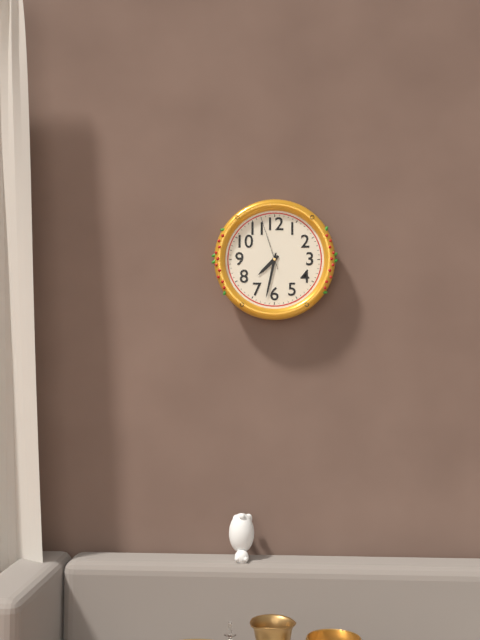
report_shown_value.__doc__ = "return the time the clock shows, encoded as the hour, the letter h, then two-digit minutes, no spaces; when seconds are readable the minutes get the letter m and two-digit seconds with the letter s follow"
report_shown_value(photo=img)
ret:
7h32m57s
